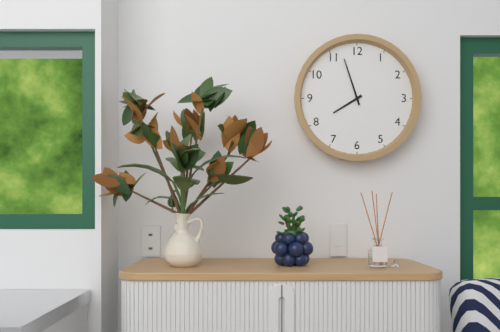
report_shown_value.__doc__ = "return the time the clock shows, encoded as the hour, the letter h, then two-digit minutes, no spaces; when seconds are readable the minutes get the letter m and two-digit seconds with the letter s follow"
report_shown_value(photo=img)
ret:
7h57
